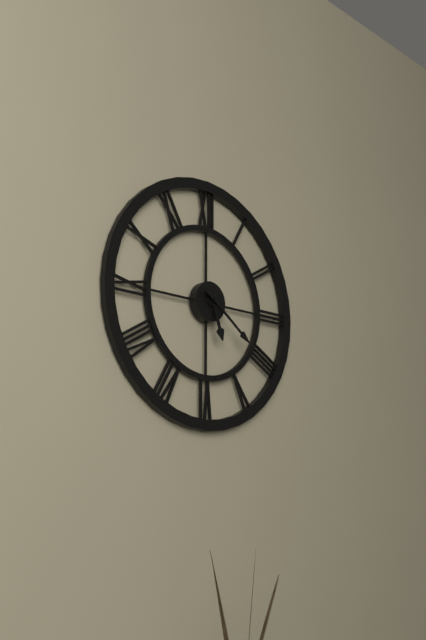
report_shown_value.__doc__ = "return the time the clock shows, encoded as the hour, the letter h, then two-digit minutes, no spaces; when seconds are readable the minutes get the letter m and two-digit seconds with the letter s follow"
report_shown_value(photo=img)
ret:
5h21
